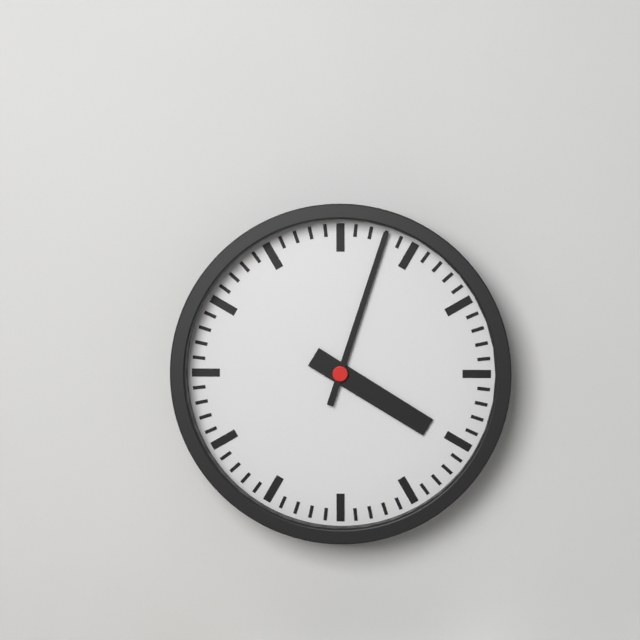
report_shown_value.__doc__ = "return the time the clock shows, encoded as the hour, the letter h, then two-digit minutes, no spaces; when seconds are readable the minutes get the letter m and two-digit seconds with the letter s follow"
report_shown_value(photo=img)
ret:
4h03
